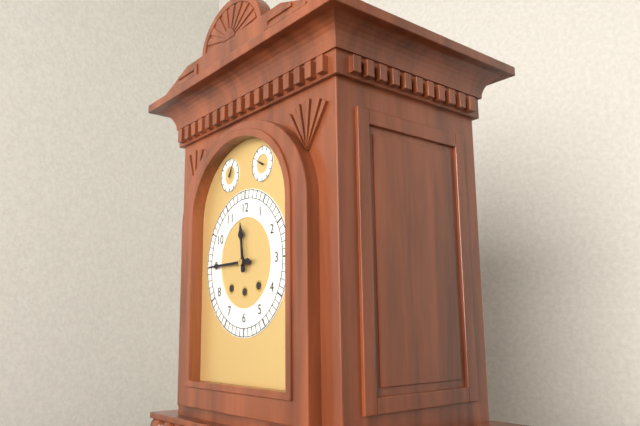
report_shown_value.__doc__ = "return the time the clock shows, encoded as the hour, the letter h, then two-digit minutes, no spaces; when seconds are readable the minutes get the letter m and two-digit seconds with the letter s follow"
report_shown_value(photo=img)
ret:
11h45
